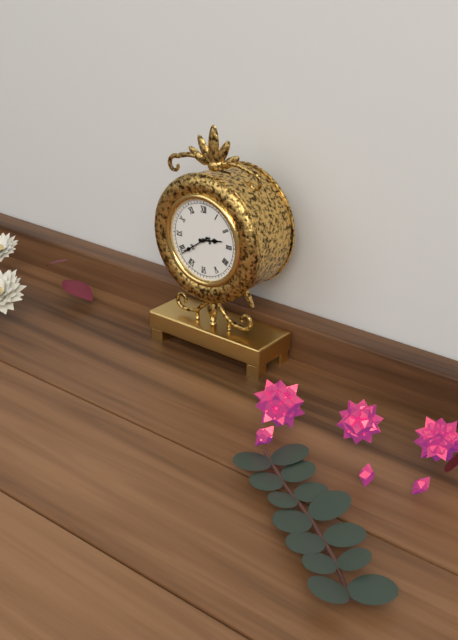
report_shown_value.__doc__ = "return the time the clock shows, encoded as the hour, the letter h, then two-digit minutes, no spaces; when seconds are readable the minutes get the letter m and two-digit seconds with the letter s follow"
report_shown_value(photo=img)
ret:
2h39
